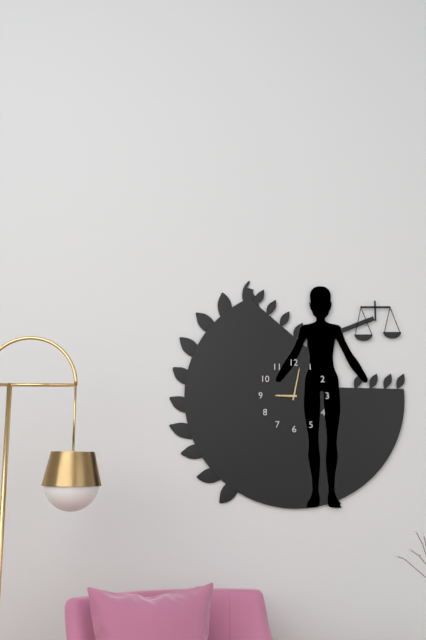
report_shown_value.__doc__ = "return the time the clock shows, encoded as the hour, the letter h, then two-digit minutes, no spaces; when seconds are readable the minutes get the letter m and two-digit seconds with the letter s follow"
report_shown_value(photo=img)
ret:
9h02
